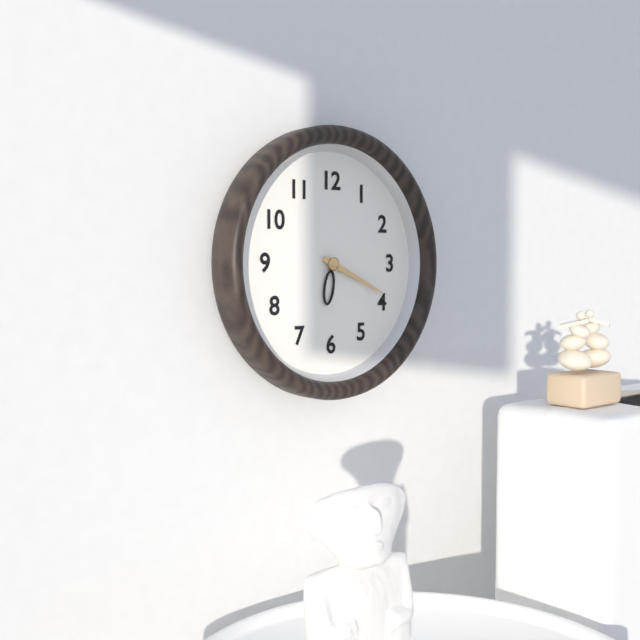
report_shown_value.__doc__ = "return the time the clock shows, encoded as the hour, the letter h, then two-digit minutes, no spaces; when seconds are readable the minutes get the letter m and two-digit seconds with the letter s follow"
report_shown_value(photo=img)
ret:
6h19
